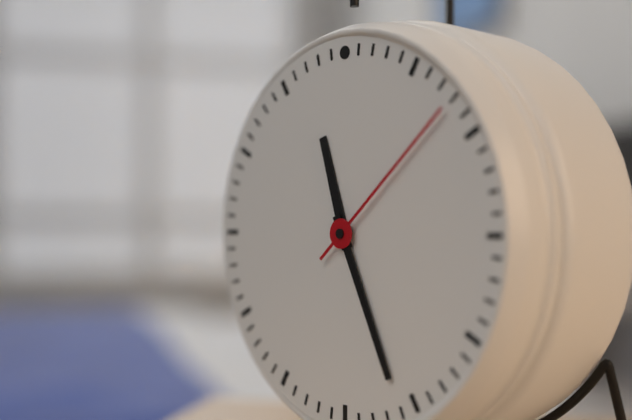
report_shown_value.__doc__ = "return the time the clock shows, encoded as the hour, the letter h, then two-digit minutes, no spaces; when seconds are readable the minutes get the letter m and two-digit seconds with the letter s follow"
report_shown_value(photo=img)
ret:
11h26m08s
